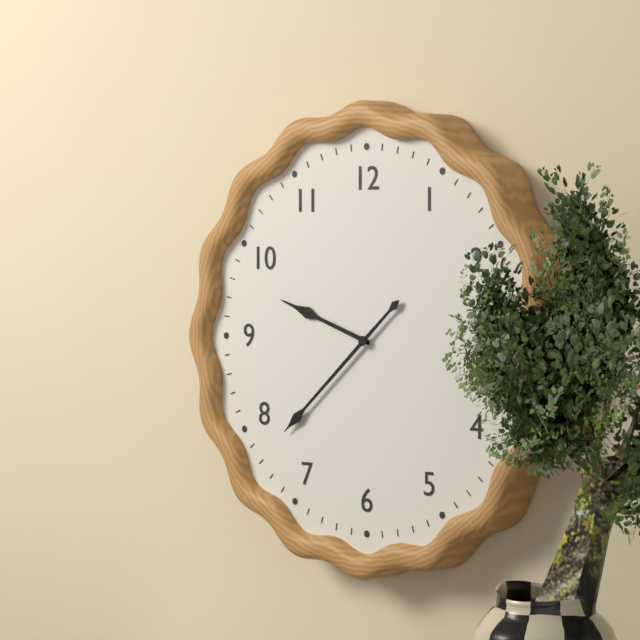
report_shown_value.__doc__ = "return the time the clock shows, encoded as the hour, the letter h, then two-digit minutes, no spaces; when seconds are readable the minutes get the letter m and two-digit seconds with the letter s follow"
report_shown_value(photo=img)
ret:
9h38
